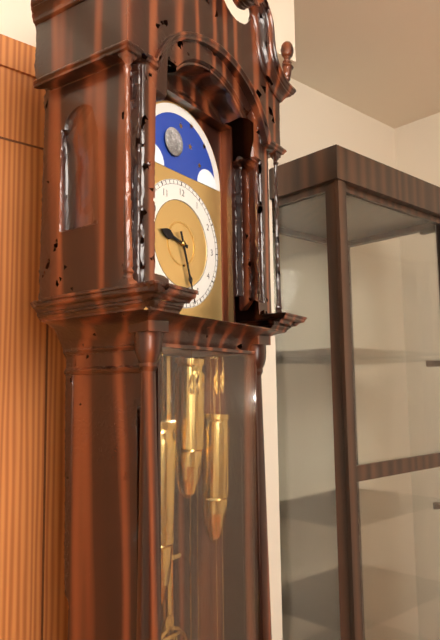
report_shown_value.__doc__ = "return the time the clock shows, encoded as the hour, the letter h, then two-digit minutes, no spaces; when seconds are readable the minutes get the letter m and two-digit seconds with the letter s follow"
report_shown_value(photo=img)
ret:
9h27
